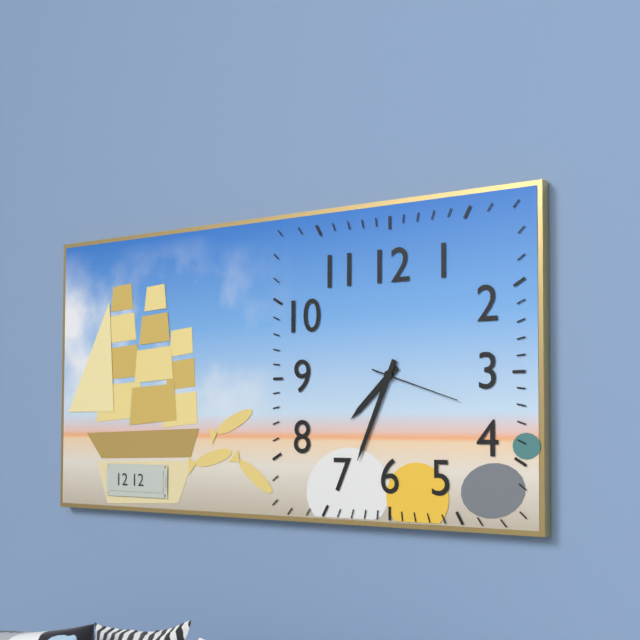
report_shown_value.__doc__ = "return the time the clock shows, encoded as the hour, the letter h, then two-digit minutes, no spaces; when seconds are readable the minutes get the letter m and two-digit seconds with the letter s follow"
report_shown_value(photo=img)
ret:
7h34m18s
